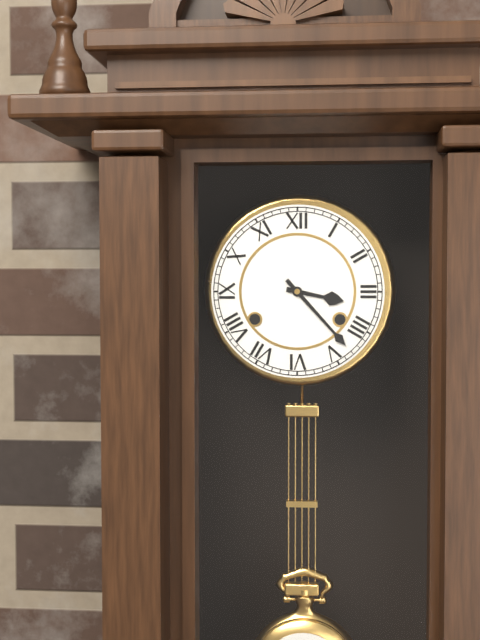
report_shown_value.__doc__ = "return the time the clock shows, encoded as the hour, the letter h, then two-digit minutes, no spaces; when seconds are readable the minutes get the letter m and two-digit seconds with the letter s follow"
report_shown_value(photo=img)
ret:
3h23
